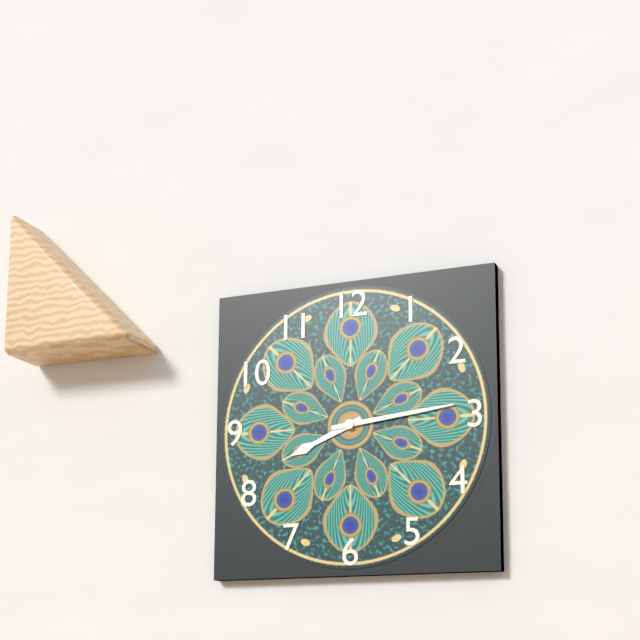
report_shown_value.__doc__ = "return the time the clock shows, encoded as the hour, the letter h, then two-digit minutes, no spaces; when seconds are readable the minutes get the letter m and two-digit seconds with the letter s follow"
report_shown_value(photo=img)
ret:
8h14
